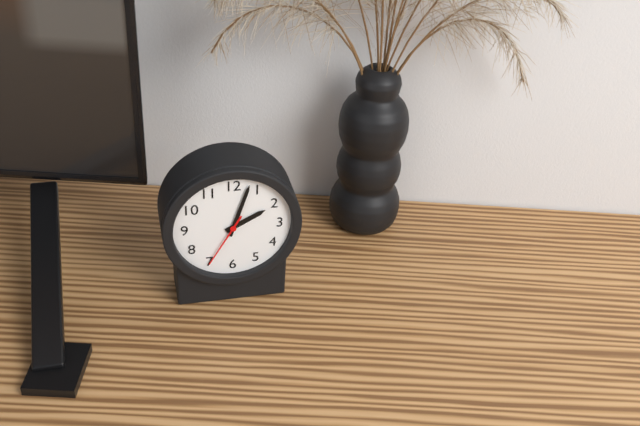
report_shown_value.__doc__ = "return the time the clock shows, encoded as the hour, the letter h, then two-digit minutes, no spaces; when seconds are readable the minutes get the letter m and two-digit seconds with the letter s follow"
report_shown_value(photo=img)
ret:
2h03m35s
